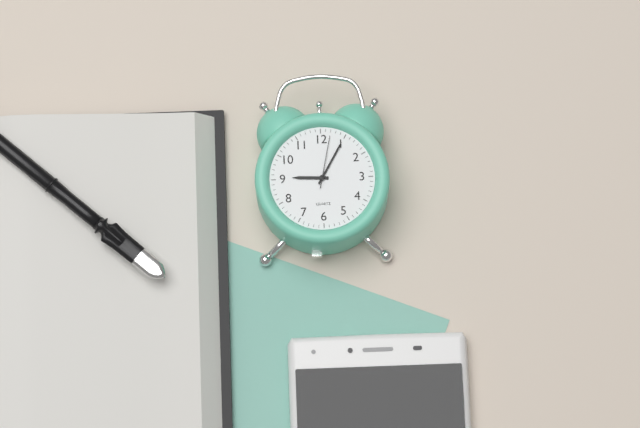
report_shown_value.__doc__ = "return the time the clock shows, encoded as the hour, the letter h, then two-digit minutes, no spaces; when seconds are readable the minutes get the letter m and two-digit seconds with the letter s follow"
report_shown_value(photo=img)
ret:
9h05m02s
